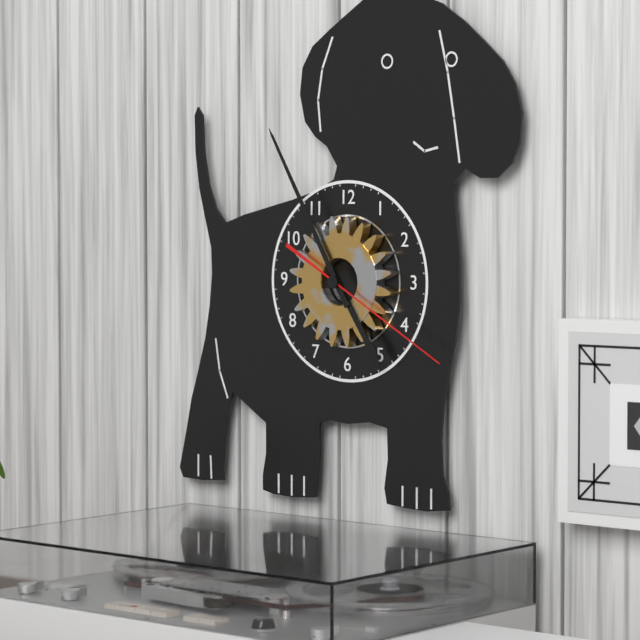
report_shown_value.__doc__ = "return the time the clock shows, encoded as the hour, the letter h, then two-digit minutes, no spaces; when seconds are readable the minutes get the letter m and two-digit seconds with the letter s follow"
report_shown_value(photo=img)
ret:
4h55m20s
